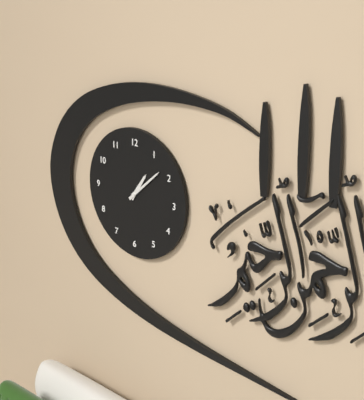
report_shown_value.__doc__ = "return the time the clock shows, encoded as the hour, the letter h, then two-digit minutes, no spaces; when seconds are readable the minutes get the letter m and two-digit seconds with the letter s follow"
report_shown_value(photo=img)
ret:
1h08
